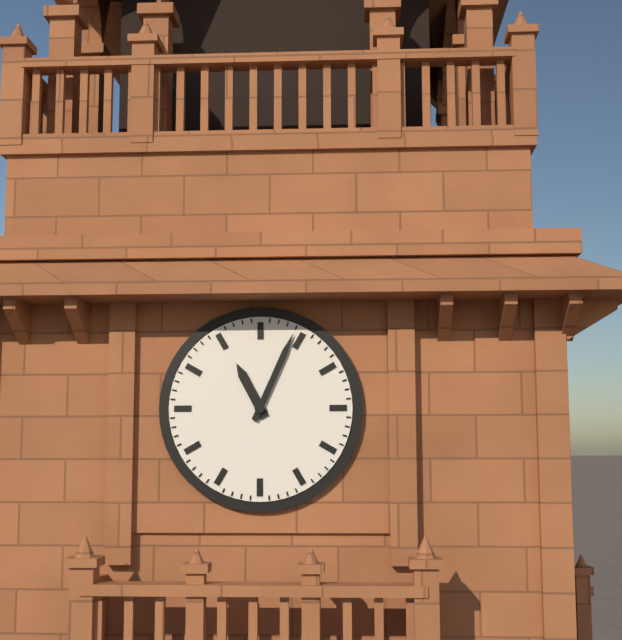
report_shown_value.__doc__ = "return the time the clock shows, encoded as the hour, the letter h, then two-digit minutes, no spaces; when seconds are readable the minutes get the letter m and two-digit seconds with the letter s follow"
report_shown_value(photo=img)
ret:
11h04
